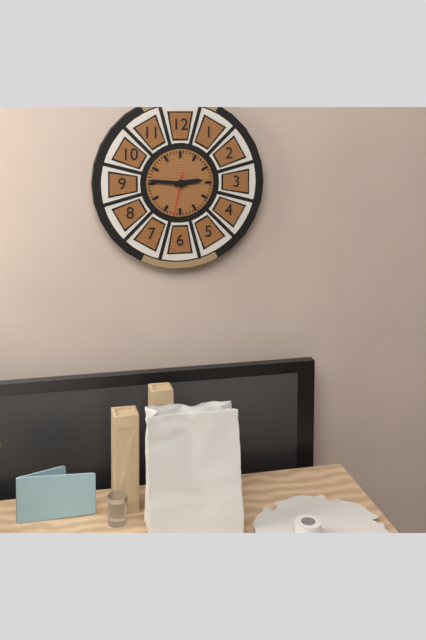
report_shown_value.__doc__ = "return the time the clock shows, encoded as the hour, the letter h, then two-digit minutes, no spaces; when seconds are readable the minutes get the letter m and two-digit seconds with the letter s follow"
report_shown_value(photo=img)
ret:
2h46
